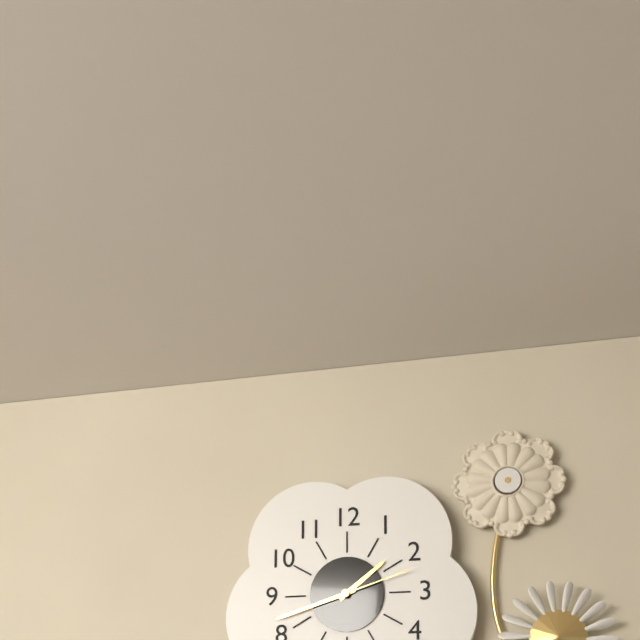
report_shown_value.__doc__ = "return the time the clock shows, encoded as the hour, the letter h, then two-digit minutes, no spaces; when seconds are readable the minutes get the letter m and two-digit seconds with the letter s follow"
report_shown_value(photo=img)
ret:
1h42m12s
